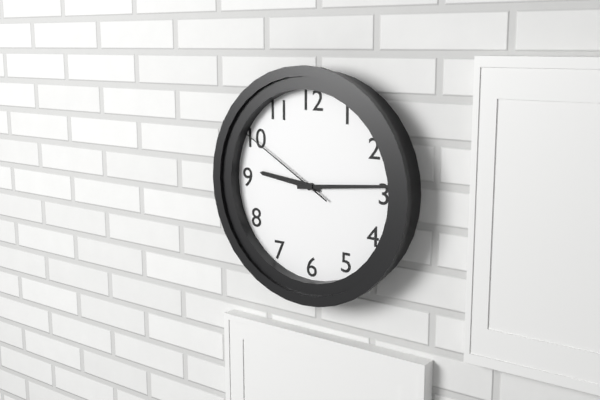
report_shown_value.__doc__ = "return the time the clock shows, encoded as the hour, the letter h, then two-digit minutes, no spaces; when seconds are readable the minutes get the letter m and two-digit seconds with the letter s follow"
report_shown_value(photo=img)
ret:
9h14m50s
